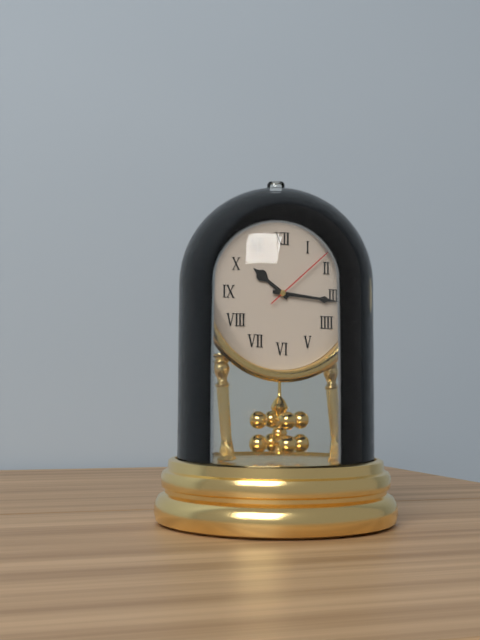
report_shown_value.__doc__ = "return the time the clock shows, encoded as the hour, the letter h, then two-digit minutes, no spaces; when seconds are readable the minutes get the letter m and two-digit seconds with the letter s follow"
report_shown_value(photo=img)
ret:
10h16m08s
